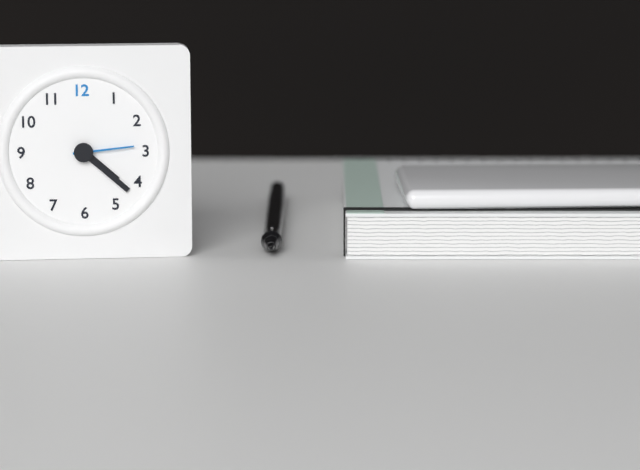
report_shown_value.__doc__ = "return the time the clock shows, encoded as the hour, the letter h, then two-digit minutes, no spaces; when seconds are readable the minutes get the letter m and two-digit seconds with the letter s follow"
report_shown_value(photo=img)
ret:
4h22m14s
